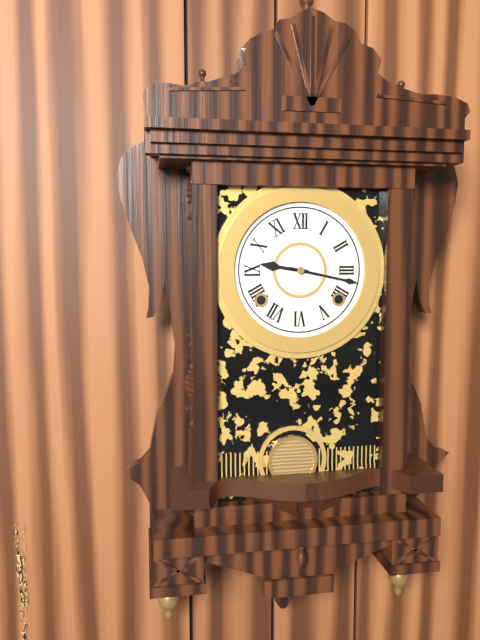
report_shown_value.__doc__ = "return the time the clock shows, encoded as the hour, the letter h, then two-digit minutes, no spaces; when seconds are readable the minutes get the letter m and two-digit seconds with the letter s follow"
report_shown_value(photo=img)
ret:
9h17
